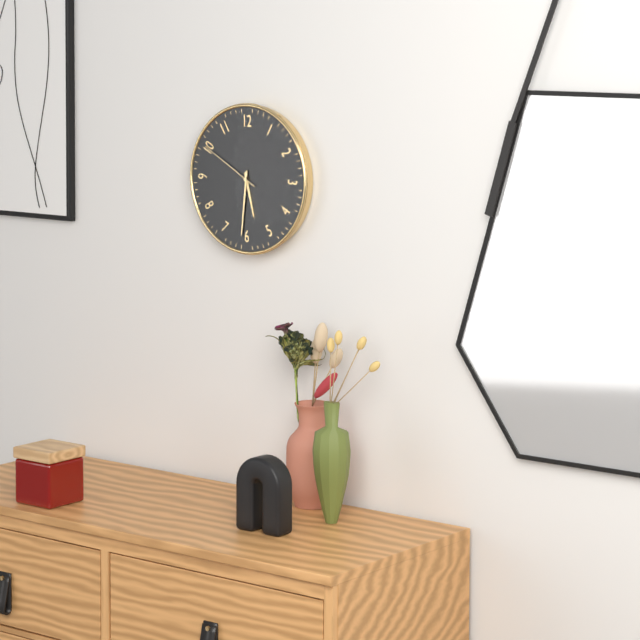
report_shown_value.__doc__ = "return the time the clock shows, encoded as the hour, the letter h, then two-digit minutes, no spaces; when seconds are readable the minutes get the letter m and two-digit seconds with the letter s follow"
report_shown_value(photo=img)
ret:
5h31m50s
